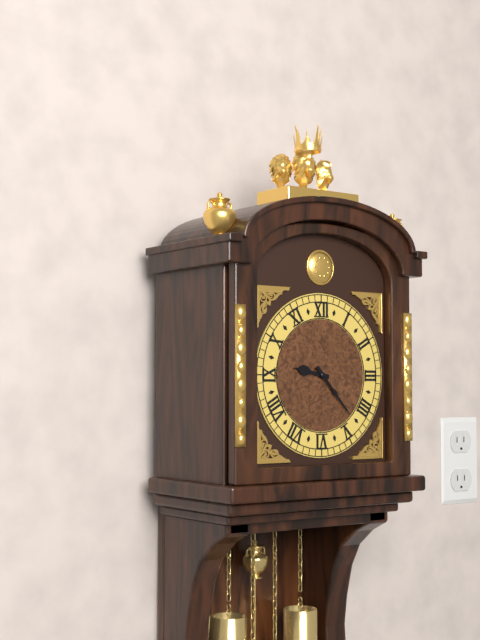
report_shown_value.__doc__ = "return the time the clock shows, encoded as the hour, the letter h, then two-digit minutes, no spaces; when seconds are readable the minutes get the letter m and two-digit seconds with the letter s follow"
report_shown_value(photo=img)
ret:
9h23
